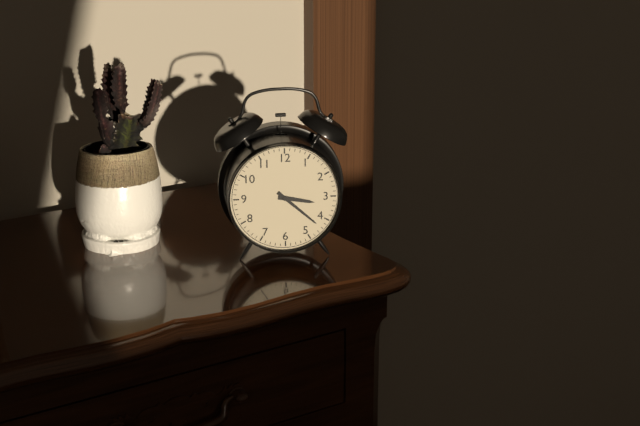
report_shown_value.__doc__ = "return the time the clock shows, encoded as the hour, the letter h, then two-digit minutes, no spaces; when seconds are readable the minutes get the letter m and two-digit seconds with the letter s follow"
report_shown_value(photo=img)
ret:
3h22
